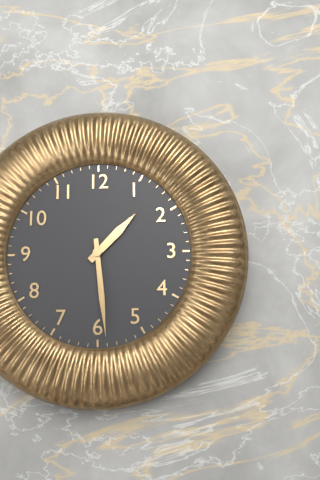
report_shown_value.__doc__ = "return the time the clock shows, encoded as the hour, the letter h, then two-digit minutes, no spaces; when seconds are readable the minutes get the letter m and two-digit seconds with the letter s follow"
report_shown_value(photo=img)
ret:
1h29
